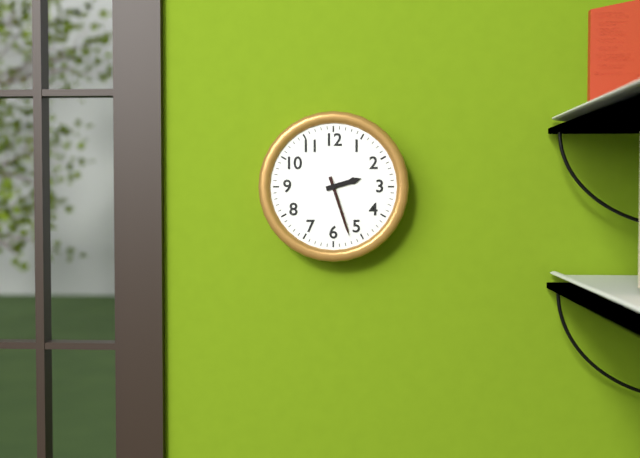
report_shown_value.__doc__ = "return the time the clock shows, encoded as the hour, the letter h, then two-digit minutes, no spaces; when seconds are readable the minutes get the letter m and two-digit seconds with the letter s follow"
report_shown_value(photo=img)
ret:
2h27
